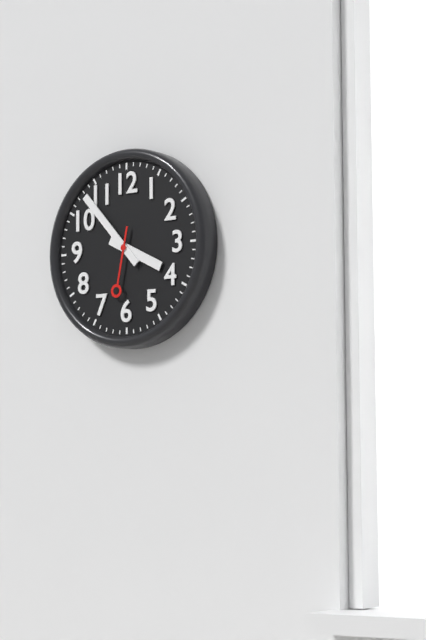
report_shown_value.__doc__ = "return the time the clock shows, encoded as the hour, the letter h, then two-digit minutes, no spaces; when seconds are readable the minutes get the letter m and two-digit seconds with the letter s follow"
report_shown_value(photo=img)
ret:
3h53m32s
